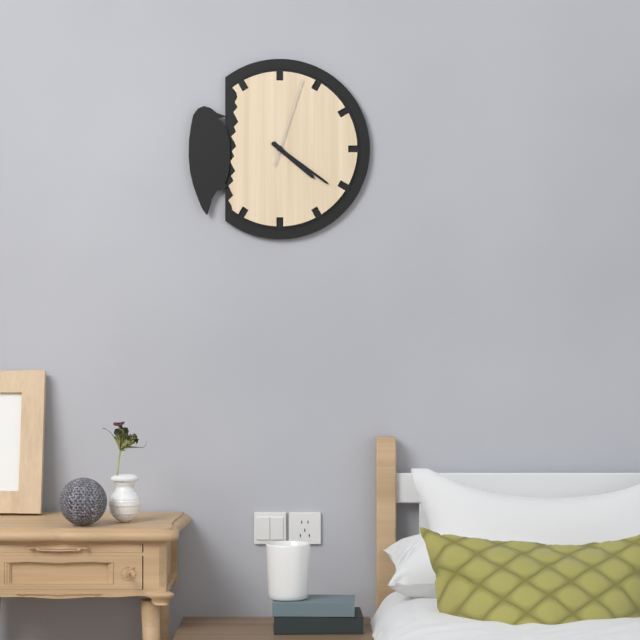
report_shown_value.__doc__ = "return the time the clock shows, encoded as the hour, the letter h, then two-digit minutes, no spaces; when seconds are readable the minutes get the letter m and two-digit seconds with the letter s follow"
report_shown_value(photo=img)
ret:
4h21m03s
